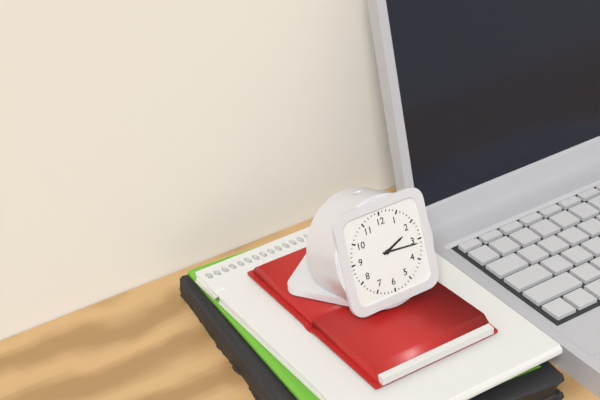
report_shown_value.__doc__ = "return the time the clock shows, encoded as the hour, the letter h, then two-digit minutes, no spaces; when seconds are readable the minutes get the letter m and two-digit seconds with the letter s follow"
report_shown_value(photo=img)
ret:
2h16
